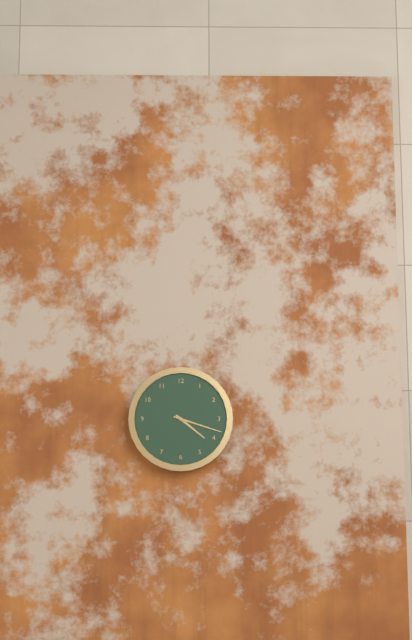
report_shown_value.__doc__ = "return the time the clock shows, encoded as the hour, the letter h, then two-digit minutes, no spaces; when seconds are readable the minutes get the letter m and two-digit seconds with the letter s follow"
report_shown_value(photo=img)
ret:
4h18
